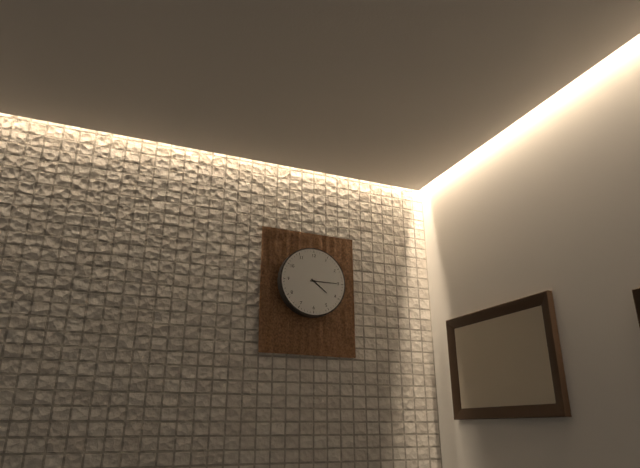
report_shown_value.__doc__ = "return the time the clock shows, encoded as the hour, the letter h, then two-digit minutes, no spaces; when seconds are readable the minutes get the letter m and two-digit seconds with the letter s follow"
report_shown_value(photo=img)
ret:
4h15
